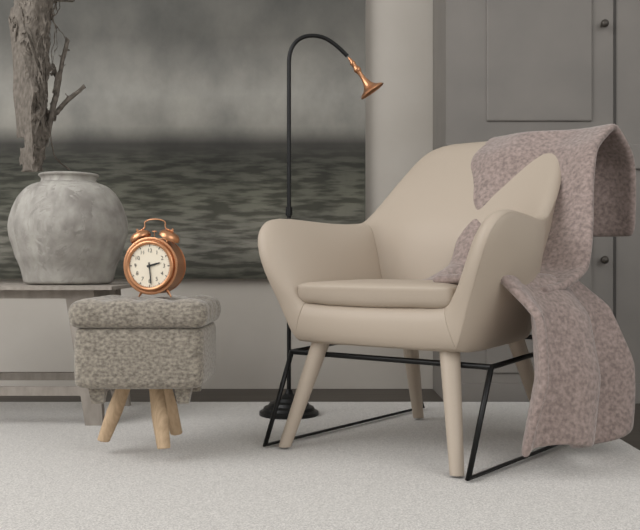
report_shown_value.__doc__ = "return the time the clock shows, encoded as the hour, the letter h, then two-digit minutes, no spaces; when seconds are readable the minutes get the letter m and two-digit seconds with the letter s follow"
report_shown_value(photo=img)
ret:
2h29
